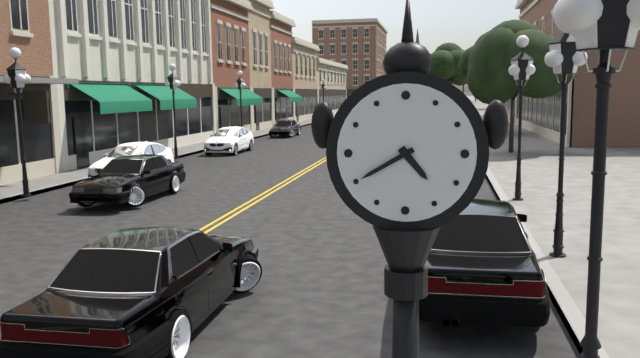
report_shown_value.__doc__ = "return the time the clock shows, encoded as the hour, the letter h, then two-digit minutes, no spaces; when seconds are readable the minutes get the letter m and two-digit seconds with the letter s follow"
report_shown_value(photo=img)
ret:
4h40
